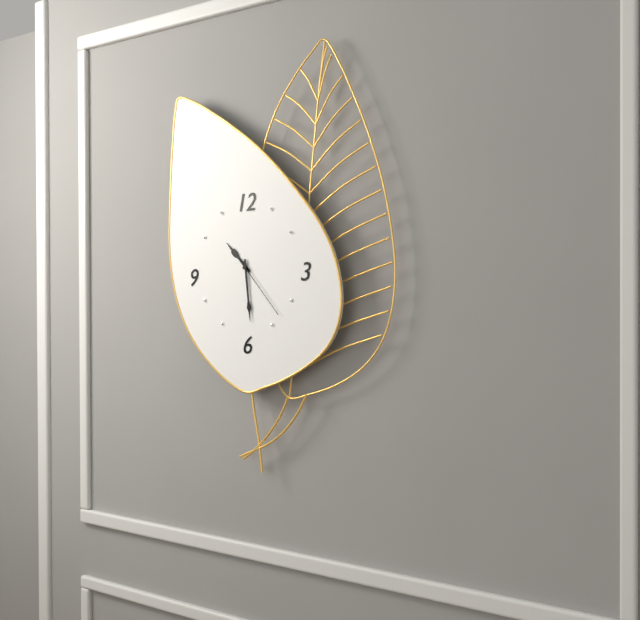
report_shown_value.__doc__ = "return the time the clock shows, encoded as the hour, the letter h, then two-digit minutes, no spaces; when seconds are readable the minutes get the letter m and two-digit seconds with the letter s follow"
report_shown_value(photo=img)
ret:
10h29m23s
